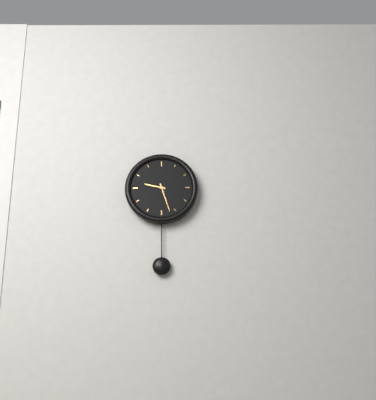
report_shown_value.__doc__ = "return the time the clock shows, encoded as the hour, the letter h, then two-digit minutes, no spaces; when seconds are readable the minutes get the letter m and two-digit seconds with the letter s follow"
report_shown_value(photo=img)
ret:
9h27
